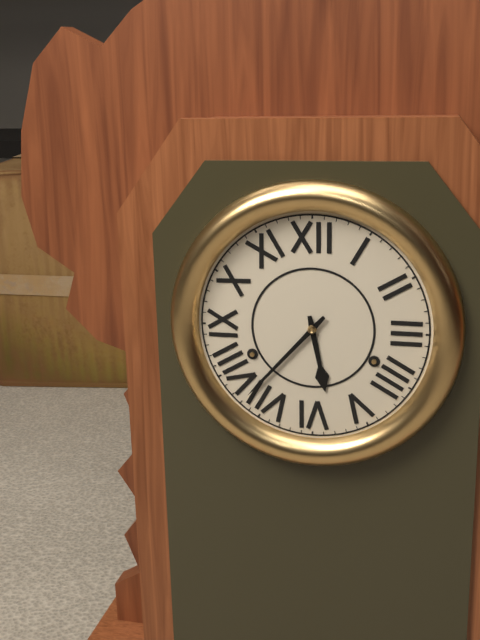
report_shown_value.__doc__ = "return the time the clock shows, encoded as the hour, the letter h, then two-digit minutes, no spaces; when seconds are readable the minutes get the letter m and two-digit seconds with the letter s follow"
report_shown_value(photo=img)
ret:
5h37
